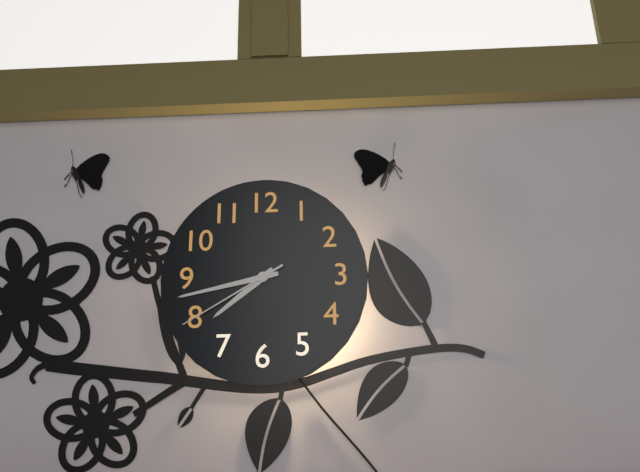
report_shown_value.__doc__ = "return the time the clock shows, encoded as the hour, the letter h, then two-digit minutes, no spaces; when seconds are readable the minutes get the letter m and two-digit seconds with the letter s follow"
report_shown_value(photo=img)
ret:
7h43m40s
